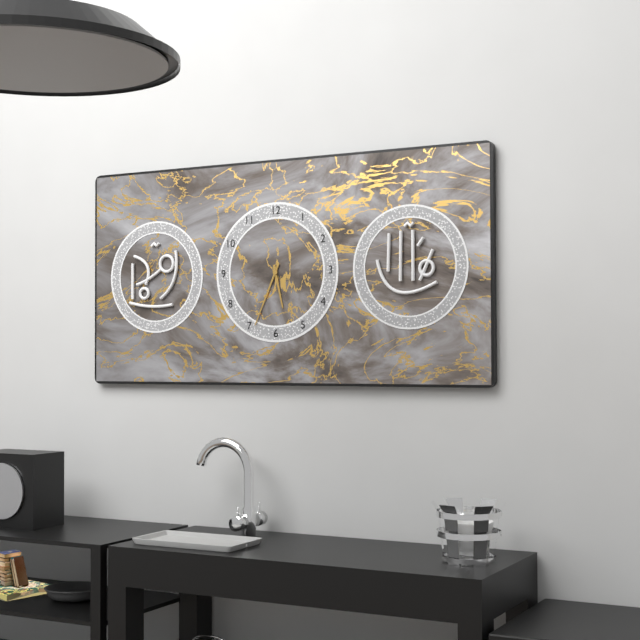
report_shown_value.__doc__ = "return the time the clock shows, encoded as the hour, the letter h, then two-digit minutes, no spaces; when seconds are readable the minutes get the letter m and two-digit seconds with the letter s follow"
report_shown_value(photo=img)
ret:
5h34
